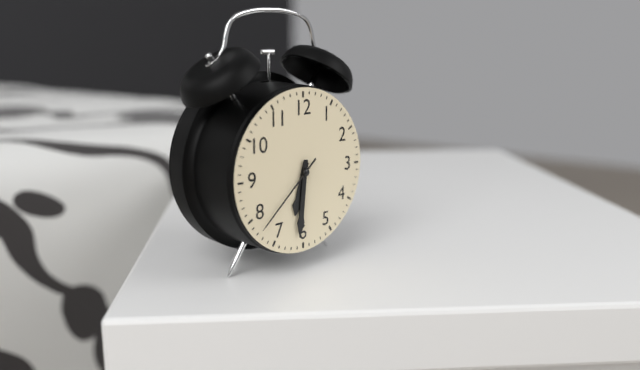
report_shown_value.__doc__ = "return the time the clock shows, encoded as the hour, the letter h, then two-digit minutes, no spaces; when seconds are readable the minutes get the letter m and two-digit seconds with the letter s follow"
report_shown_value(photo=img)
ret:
6h31m38s
